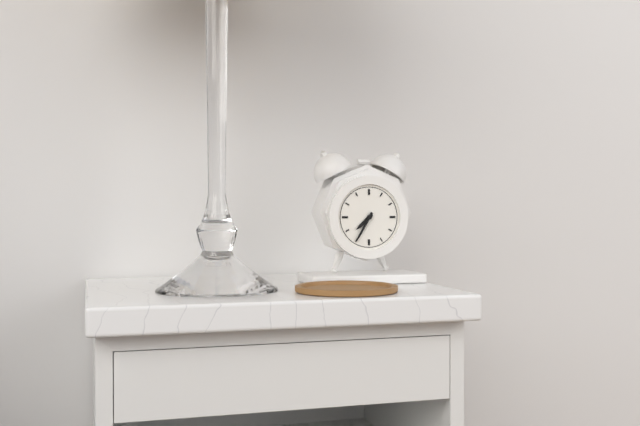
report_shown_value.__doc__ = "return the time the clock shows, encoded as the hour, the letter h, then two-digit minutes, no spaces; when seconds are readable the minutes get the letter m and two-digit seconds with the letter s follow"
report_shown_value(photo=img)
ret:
7h35
